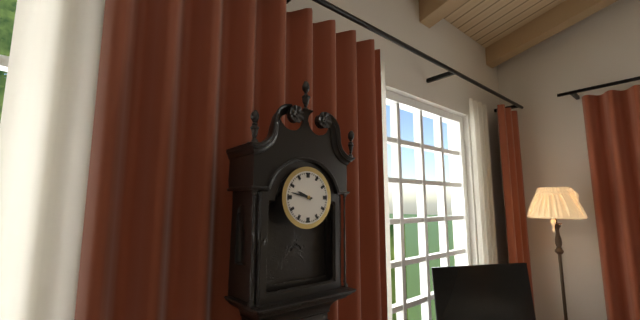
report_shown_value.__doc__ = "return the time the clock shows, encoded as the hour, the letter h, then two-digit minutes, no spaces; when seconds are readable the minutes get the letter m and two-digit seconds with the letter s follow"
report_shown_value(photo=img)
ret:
9h47
